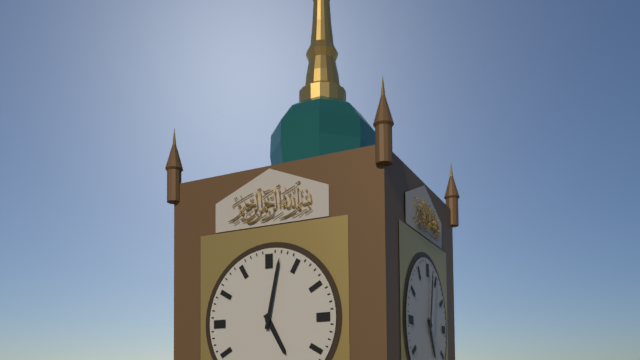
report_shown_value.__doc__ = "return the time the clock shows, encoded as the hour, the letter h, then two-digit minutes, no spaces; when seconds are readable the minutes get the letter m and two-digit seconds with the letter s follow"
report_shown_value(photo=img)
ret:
5h02
